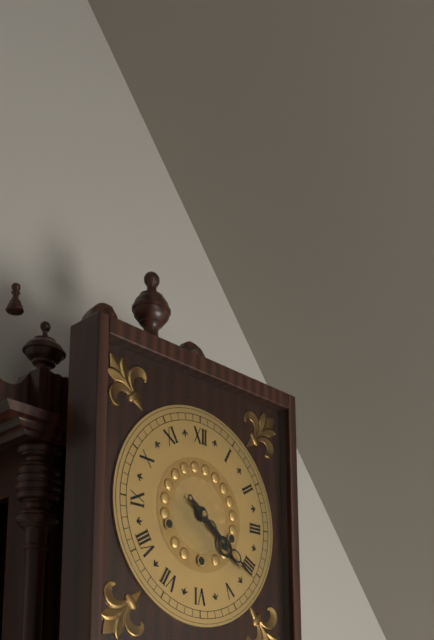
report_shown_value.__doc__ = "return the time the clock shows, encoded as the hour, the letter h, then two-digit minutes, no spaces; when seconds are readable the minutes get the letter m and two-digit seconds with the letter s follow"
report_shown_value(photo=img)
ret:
4h21
